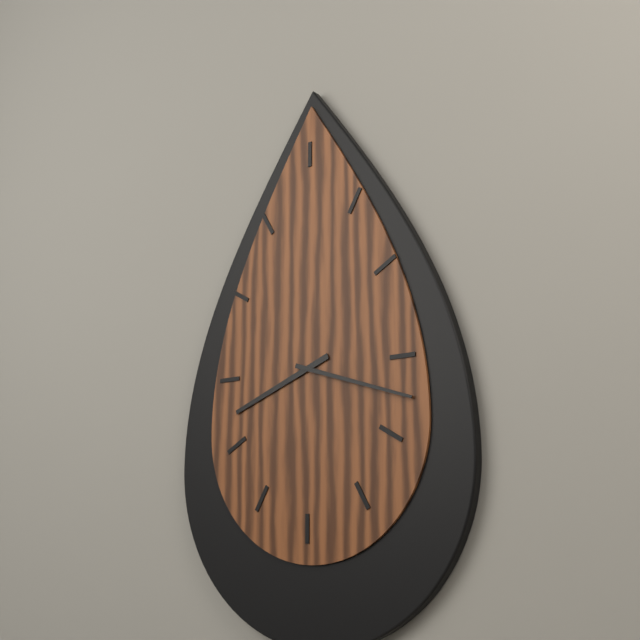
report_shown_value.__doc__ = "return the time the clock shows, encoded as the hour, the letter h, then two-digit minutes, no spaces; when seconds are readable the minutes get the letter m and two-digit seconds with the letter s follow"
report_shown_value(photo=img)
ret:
8h18
